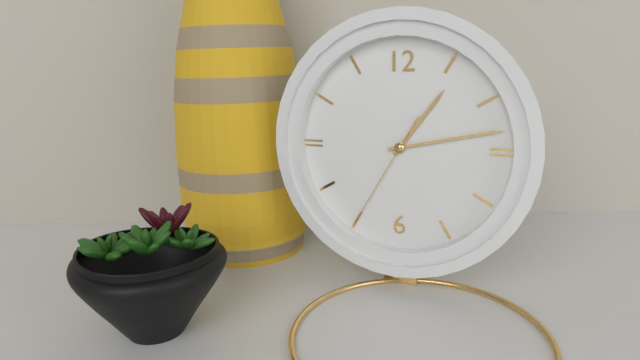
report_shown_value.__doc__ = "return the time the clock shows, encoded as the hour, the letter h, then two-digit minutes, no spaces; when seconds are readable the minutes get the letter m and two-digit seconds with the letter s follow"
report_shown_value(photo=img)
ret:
1h13m35s
